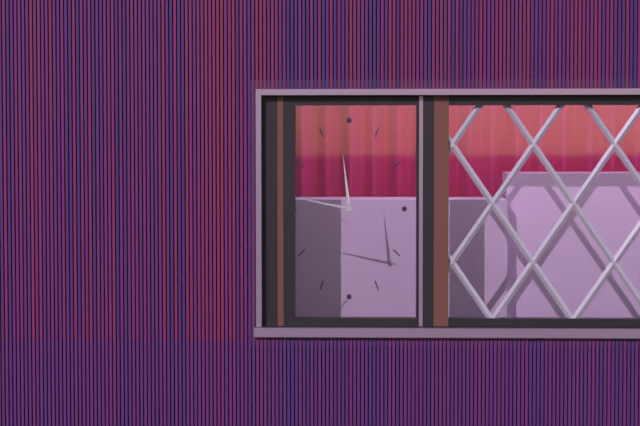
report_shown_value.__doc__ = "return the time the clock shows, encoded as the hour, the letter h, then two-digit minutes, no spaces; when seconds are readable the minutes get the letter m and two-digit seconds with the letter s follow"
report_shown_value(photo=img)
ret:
11h47
